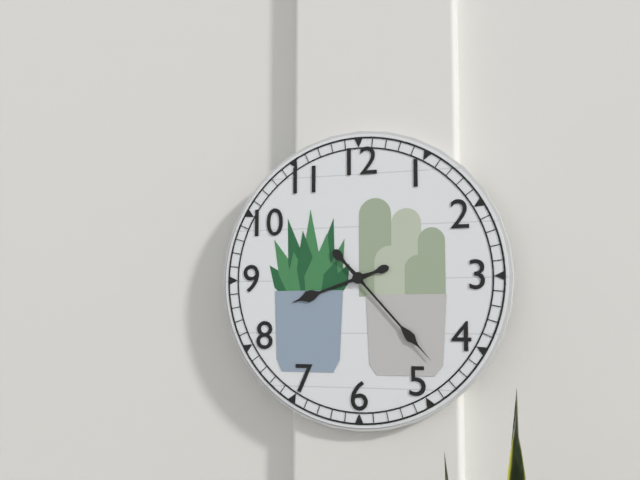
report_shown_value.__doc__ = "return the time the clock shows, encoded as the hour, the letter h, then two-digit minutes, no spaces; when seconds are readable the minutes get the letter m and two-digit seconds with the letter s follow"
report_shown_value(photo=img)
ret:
8h23
